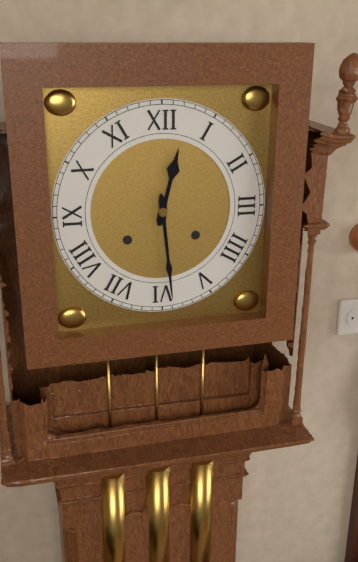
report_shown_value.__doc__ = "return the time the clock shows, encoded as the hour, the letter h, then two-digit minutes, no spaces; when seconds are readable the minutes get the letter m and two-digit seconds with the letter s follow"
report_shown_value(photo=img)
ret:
12h29
